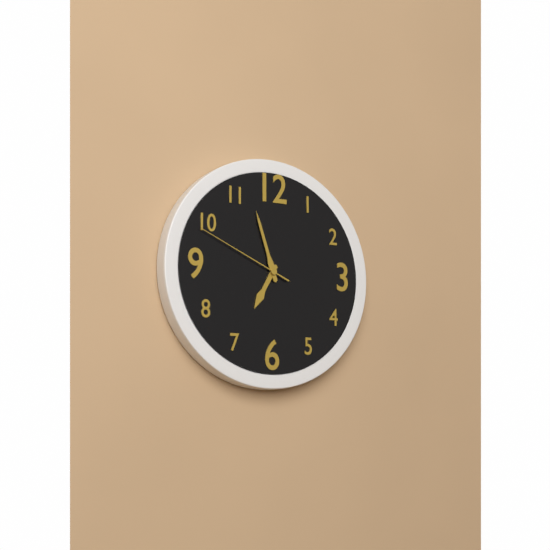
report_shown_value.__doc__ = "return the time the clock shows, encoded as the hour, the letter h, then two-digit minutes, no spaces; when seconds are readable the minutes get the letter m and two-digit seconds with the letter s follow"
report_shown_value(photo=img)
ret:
6h57m49s
